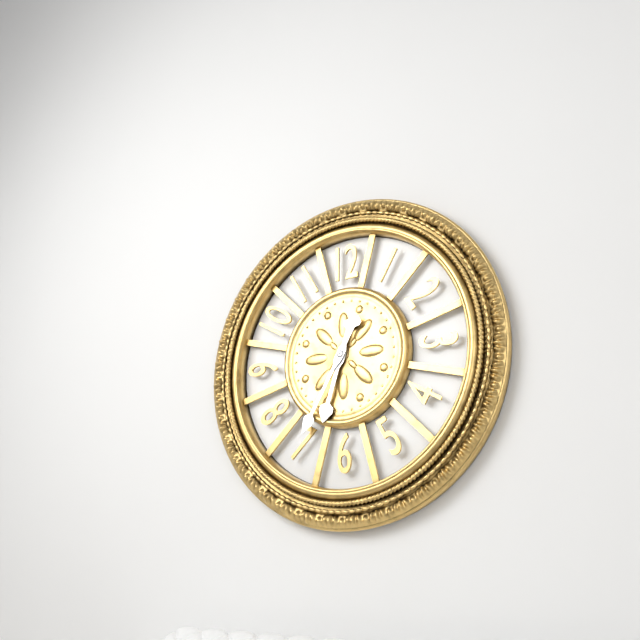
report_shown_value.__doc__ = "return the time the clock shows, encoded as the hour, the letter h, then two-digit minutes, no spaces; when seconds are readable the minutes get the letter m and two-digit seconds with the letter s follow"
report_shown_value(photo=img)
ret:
6h35
